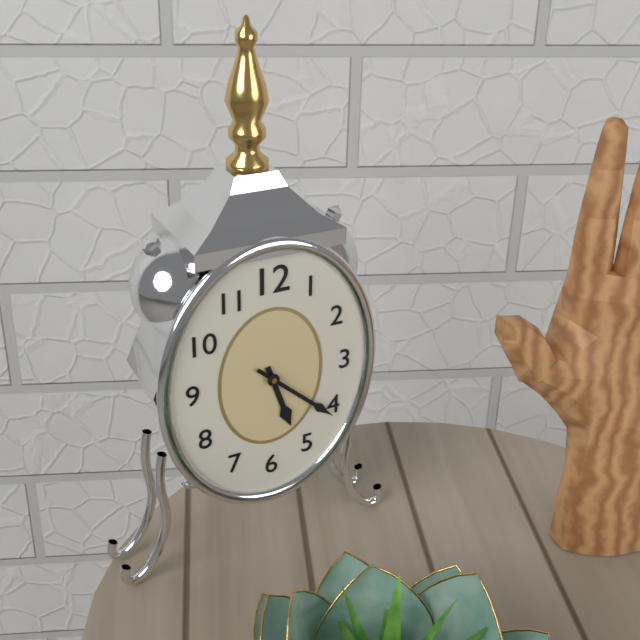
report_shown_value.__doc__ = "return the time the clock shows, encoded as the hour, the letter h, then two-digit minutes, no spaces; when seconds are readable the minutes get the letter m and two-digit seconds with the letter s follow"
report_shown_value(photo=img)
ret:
5h22
